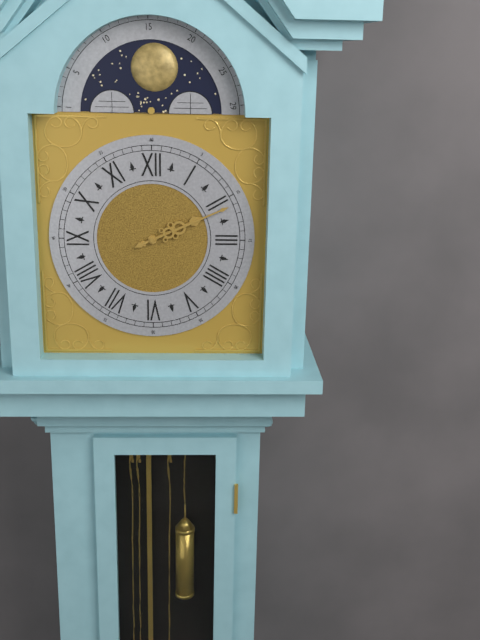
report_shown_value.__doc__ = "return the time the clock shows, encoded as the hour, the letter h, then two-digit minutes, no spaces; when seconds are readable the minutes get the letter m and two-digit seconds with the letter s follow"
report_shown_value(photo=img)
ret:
2h11
